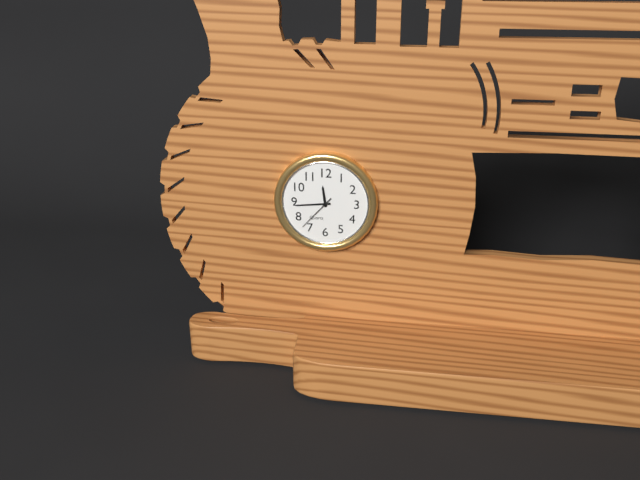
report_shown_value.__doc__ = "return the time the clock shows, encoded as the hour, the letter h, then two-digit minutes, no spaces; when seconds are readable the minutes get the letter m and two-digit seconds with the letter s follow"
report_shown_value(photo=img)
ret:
11h44
